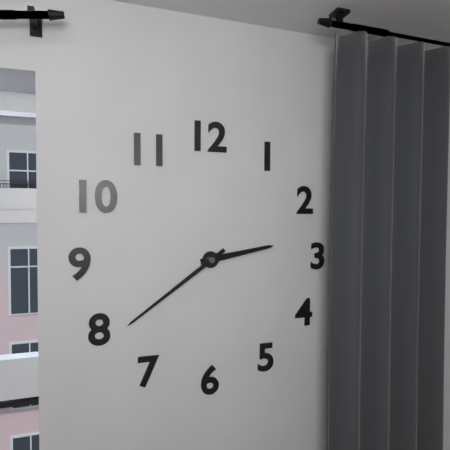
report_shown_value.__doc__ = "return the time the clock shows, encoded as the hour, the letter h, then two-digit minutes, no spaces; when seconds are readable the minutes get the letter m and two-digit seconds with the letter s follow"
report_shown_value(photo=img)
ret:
2h39
